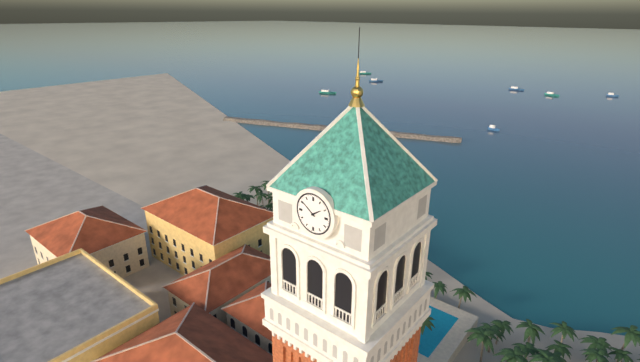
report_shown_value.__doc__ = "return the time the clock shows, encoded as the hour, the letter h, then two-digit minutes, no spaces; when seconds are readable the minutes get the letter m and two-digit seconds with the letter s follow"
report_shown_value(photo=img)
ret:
1h51
